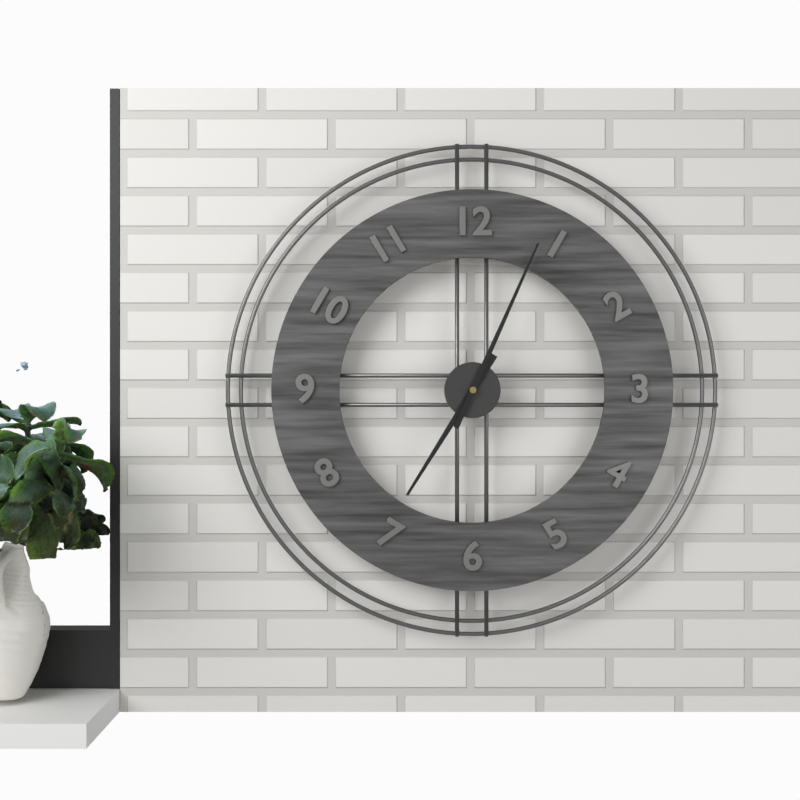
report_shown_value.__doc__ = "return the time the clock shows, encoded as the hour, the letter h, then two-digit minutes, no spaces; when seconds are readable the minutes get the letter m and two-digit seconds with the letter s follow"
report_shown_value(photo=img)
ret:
7h04
